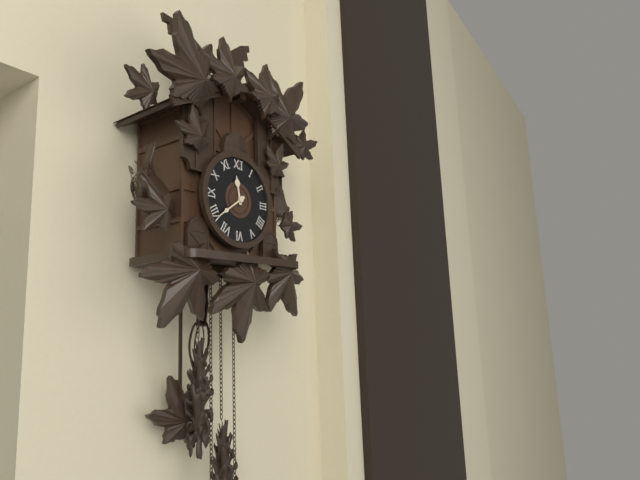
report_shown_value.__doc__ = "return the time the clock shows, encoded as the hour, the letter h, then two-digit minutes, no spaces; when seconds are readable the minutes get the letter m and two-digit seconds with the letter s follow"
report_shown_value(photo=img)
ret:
11h39
